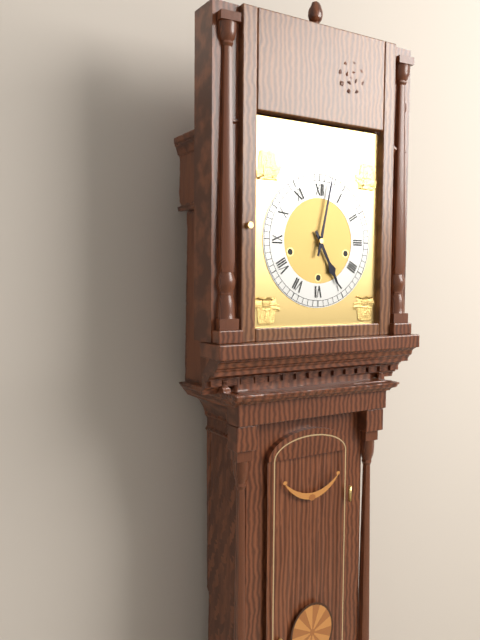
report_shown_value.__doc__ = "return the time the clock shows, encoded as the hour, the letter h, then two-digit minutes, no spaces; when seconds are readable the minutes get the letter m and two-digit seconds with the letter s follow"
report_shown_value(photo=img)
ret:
5h02
